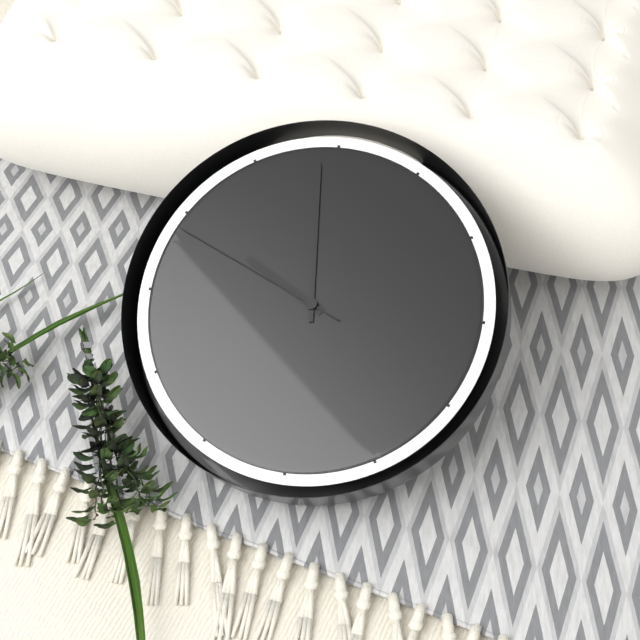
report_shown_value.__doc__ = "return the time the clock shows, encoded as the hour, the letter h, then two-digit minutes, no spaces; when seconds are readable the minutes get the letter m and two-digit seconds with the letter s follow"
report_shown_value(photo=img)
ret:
9h59m49s
